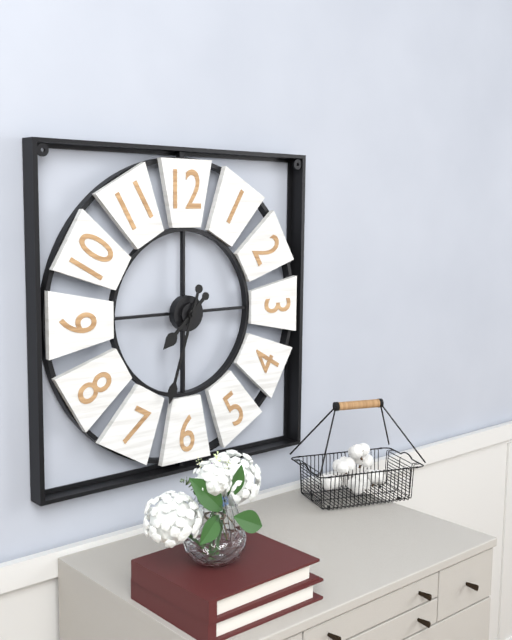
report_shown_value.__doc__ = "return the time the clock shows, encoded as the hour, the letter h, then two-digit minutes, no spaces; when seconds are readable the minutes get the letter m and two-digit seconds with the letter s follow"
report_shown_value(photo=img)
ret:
7h33
